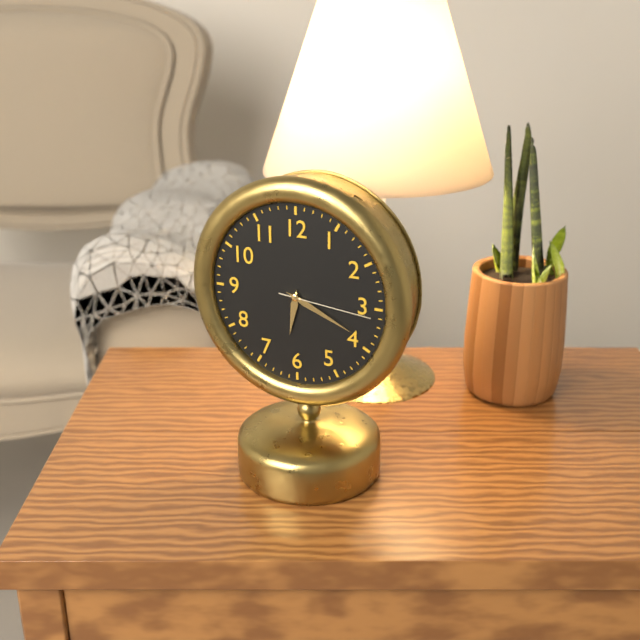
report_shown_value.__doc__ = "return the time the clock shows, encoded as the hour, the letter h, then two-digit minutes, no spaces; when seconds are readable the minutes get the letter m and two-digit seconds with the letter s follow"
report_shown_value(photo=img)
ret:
6h19m16s
